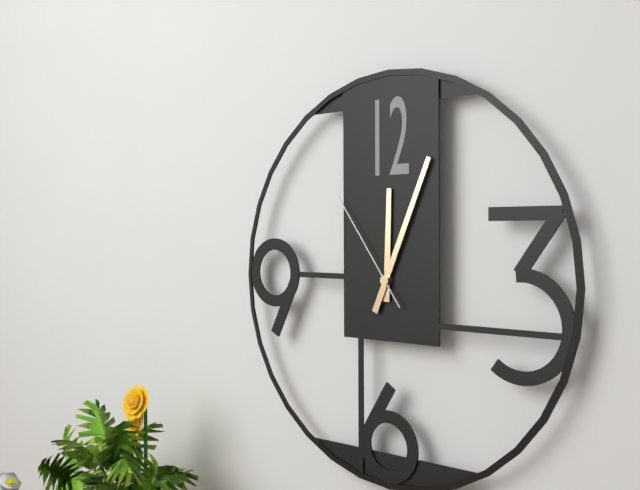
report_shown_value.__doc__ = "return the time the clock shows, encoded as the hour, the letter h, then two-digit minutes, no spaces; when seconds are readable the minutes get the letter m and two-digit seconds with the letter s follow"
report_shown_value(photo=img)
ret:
12h04m54s
